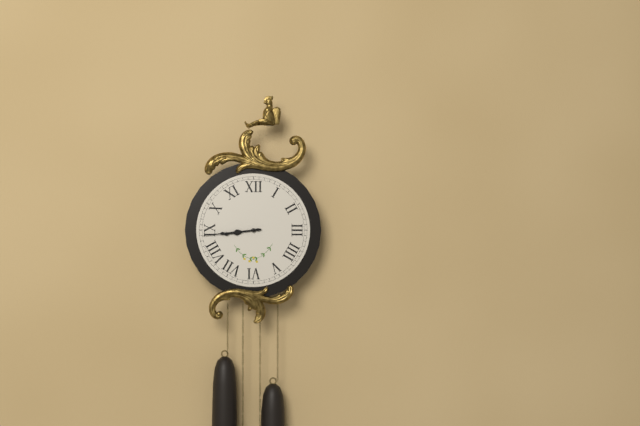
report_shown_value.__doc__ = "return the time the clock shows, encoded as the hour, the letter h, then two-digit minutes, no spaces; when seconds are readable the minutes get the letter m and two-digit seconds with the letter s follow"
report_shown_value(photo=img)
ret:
8h44
